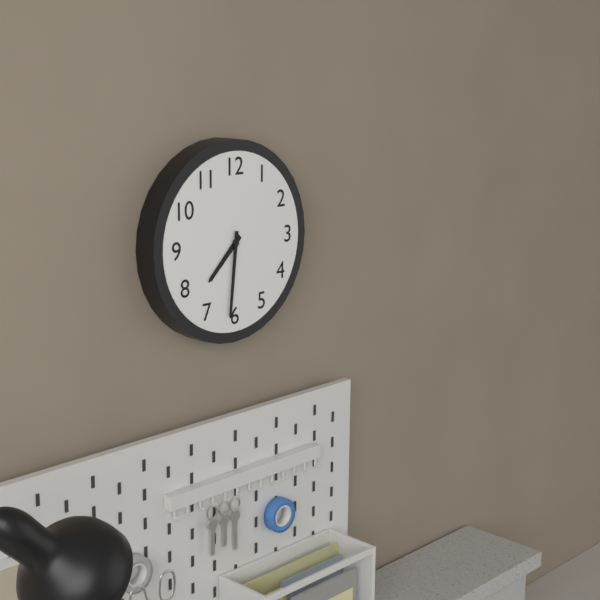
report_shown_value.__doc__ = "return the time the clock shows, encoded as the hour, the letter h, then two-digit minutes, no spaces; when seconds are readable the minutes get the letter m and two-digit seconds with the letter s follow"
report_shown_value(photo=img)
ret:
7h31
